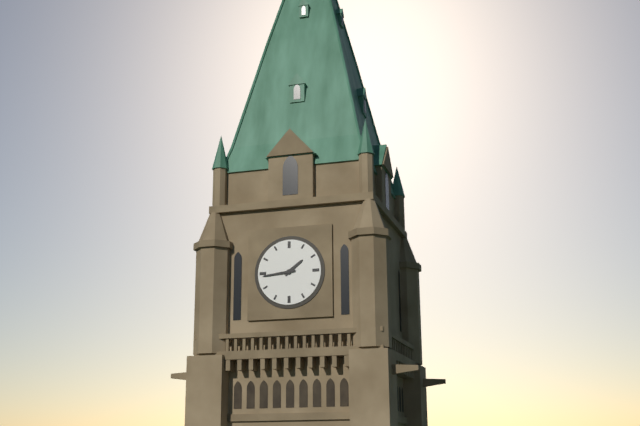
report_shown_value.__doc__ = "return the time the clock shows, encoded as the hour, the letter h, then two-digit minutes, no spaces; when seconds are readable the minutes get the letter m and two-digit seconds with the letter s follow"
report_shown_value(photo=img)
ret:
1h44
